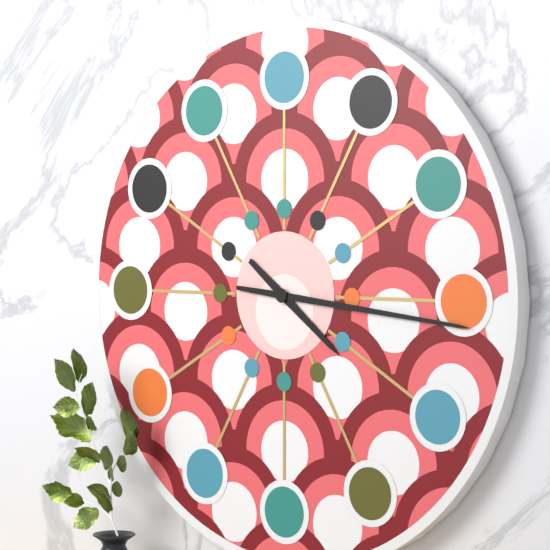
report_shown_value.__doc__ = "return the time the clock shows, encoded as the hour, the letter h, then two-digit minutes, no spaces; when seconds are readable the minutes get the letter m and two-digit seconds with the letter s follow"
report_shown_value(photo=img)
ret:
4h16
